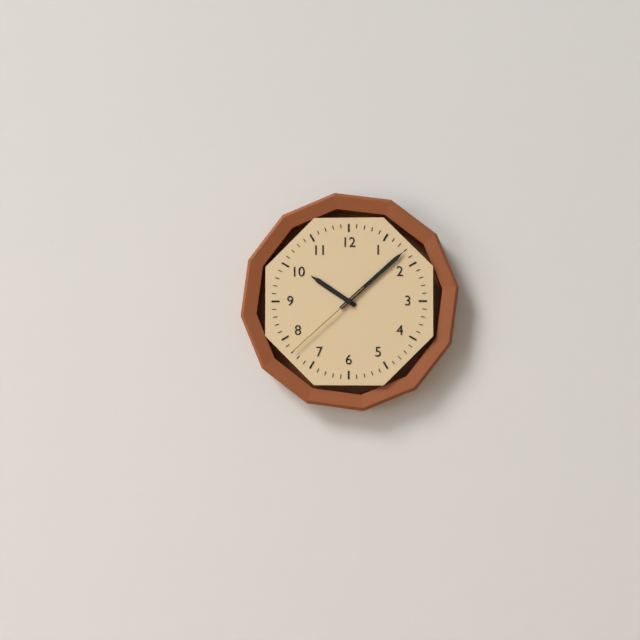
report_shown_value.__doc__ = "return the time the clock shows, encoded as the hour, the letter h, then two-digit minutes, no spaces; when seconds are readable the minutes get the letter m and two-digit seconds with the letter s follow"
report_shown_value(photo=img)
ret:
10h08m38s
